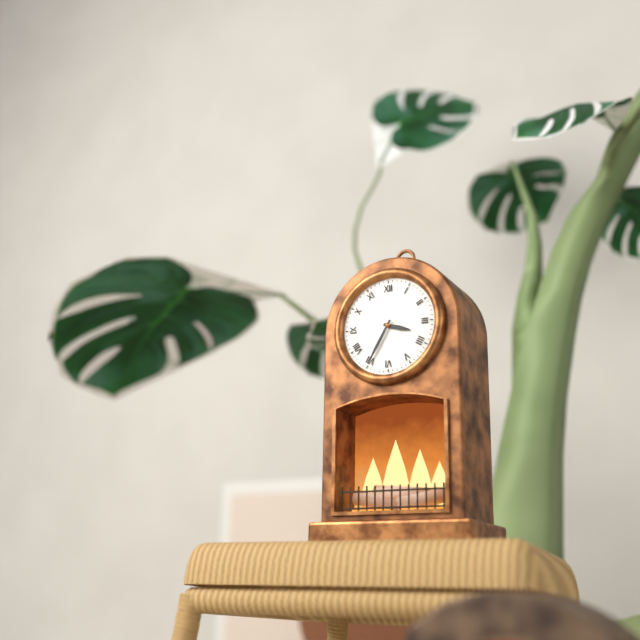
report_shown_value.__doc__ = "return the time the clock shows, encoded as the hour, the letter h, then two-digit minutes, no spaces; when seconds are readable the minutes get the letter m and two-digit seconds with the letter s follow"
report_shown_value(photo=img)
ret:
3h35
